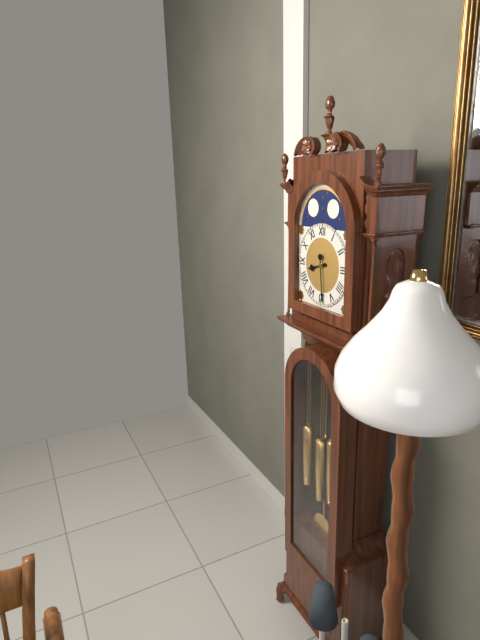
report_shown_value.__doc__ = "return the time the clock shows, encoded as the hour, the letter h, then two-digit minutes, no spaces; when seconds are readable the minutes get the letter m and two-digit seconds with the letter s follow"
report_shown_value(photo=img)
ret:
8h29
